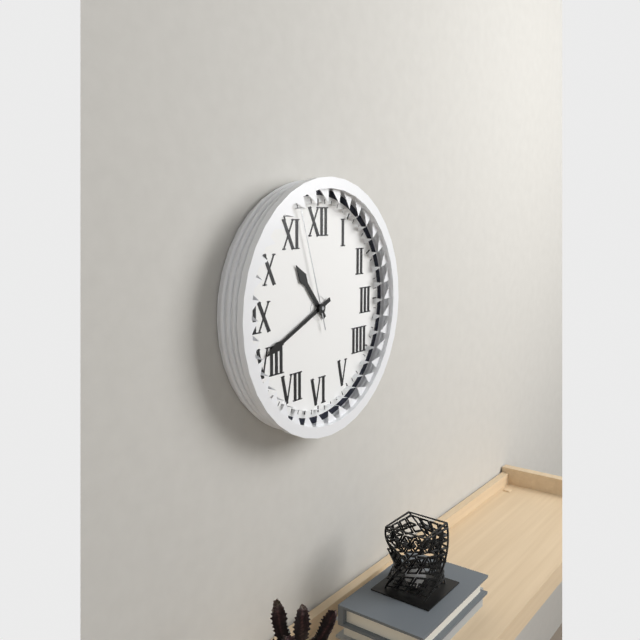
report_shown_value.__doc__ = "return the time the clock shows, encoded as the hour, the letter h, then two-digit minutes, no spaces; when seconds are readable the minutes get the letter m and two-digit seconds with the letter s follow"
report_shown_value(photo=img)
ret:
10h41m57s
